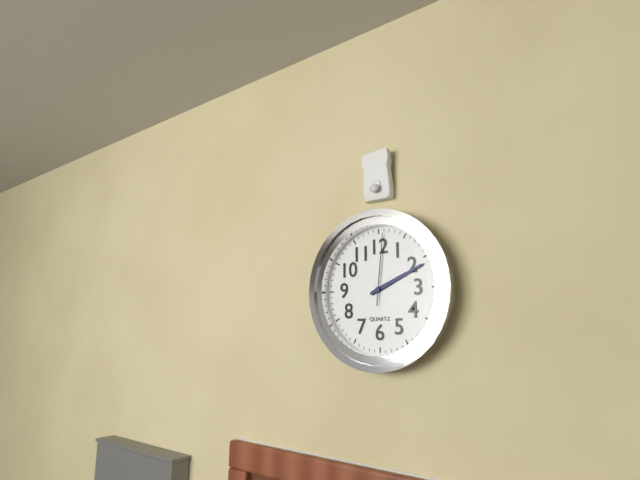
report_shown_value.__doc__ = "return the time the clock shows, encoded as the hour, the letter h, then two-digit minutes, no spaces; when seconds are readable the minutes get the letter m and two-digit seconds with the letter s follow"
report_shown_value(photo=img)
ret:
2h11m01s
